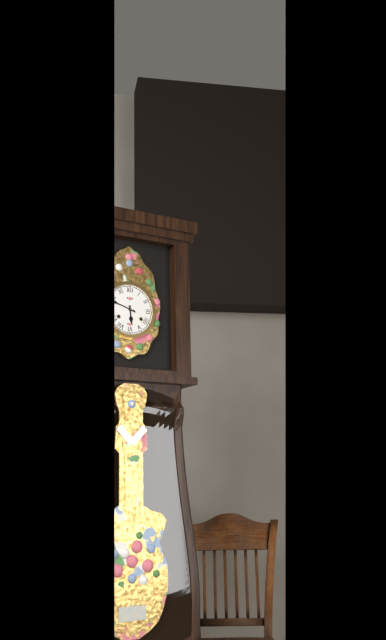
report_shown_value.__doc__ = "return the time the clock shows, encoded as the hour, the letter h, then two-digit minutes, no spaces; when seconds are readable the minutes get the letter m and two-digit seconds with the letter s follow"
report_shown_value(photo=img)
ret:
5h48
